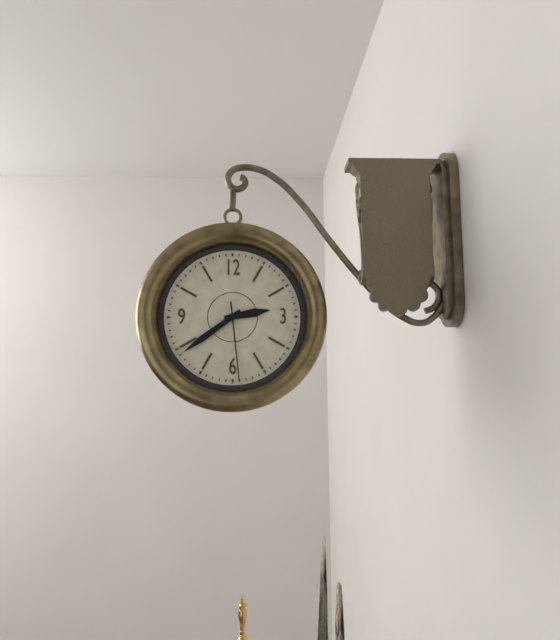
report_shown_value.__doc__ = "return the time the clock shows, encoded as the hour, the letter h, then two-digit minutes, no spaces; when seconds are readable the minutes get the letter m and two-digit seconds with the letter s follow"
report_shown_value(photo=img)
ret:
2h39m29s
